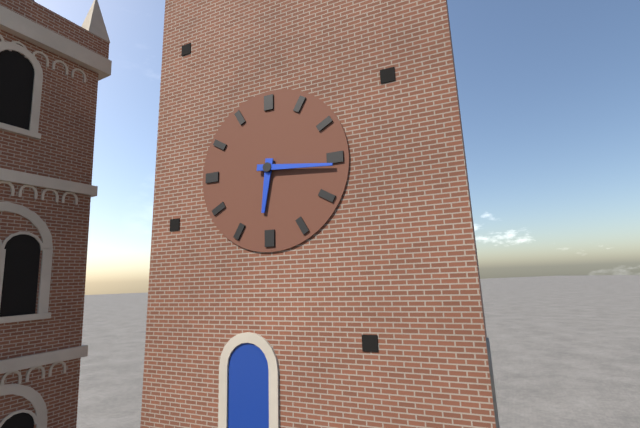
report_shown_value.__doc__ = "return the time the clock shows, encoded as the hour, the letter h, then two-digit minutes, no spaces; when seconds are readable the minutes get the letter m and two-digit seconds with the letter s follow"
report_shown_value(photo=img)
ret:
6h16
